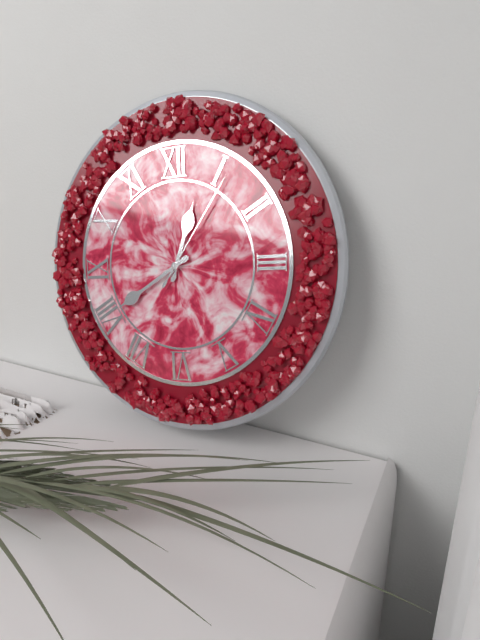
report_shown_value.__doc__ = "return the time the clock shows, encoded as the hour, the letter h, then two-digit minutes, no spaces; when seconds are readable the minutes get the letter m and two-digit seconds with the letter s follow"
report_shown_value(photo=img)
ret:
12h40m06s
